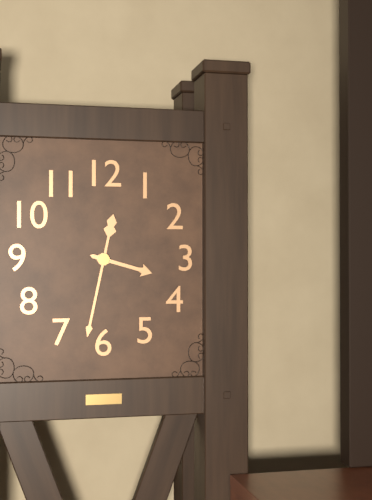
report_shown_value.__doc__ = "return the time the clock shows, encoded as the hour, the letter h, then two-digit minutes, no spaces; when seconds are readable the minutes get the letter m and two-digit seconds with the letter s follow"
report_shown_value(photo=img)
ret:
3h32
